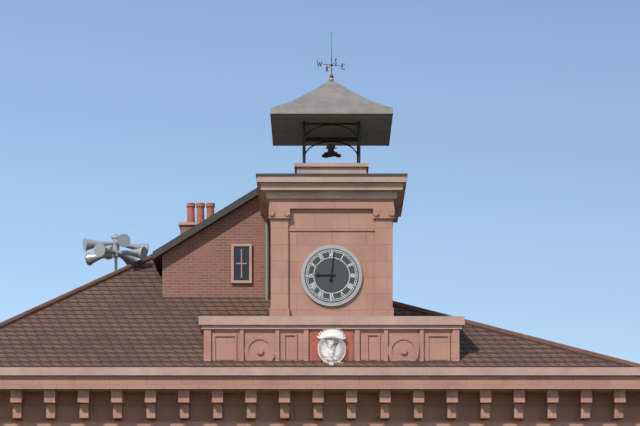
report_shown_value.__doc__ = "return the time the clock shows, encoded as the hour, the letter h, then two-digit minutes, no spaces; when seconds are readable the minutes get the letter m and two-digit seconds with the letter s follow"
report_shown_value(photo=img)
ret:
9h01
